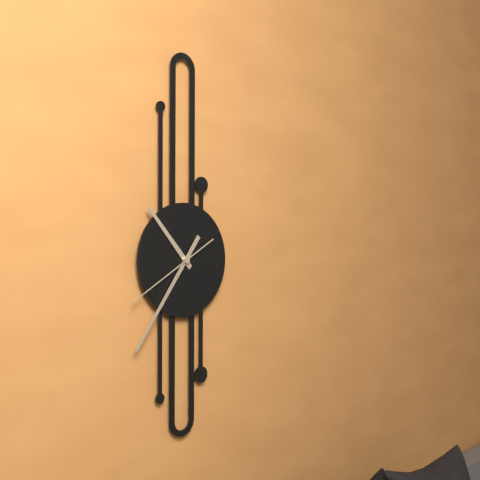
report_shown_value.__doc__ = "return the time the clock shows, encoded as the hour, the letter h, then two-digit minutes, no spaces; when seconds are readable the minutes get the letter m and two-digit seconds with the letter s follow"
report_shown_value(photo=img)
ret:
10h36m40s
